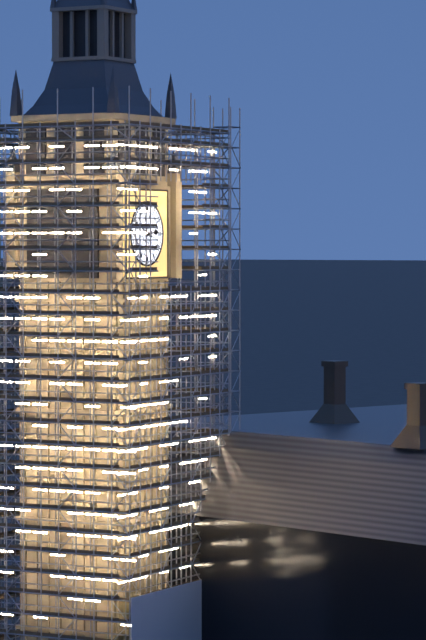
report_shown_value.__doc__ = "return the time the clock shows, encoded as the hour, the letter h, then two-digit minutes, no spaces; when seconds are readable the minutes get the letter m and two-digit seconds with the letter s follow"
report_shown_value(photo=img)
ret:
2h49
